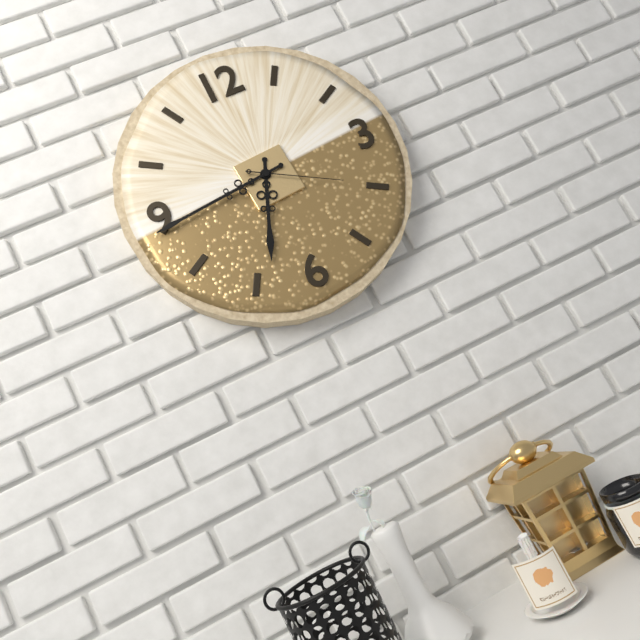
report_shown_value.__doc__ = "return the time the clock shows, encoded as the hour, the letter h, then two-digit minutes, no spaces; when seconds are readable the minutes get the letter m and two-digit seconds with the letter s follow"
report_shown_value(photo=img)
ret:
6h44m20s
